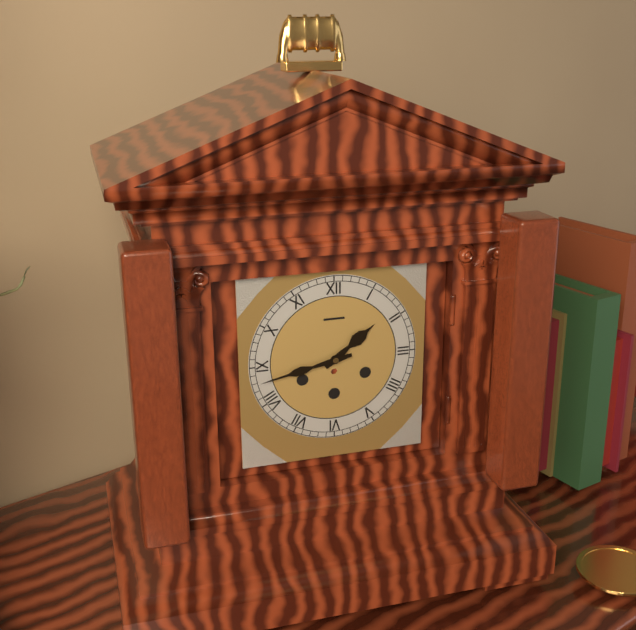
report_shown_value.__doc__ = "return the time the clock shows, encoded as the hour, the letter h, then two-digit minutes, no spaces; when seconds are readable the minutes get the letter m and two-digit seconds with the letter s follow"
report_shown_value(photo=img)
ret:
1h43
